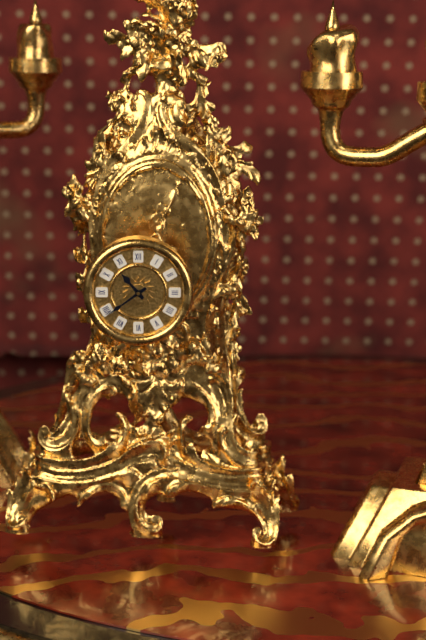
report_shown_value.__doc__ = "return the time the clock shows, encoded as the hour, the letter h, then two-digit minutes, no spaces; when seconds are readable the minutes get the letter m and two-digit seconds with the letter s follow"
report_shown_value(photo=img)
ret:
10h39
